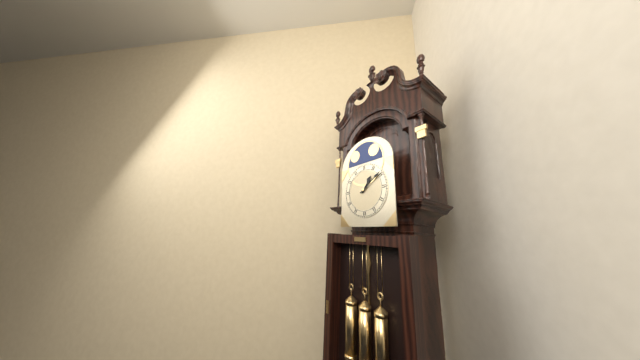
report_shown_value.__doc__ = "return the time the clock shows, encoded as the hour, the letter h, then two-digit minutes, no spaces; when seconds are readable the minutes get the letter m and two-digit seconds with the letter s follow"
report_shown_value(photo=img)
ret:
1h09
